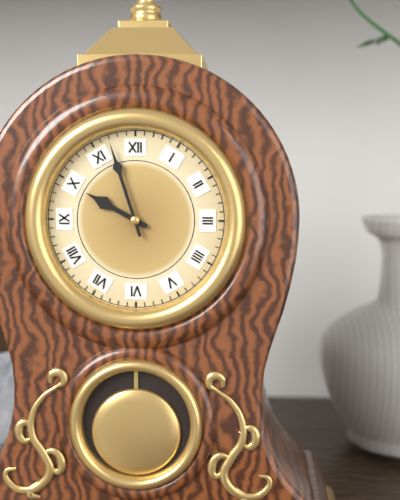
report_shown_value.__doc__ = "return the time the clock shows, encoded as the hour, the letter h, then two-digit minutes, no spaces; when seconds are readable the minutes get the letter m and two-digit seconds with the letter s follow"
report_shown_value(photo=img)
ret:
9h57
